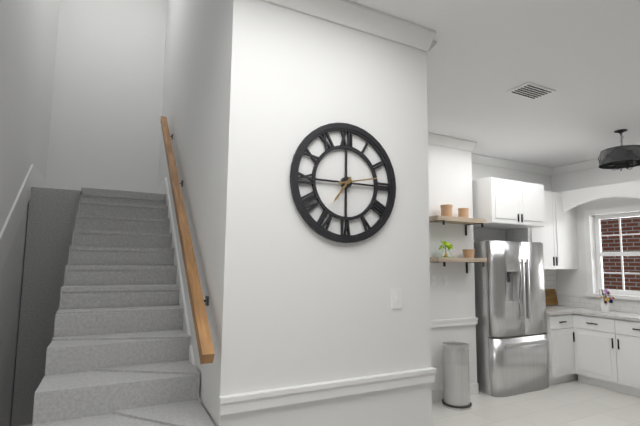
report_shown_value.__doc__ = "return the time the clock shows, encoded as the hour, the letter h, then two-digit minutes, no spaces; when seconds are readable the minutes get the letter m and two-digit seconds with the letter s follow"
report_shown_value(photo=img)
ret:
7h13
